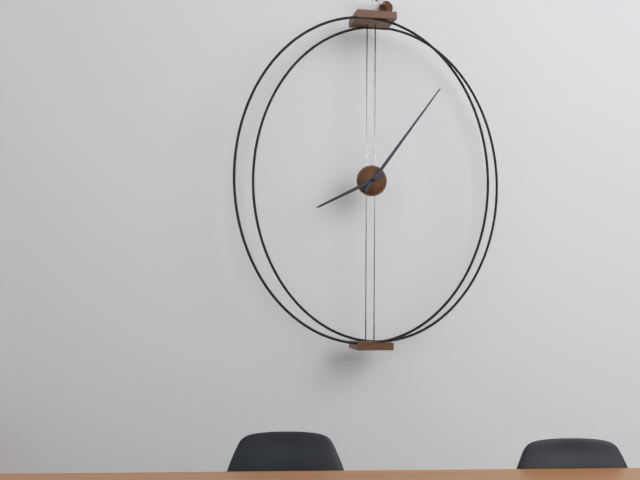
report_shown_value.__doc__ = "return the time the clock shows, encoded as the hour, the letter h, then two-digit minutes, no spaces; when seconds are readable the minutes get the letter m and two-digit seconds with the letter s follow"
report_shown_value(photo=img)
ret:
8h06
